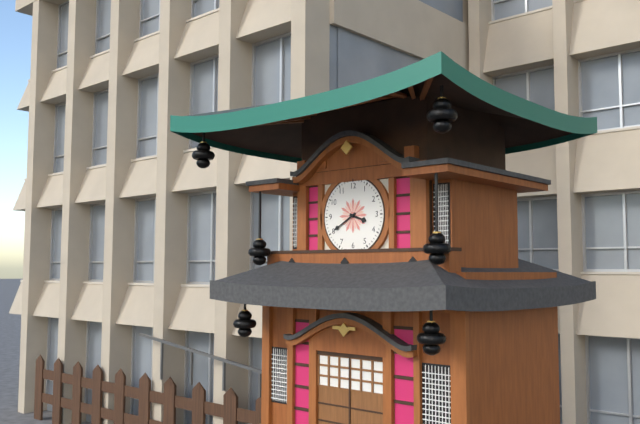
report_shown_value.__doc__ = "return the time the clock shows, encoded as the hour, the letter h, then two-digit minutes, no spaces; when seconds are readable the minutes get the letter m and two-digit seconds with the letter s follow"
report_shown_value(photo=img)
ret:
3h40
